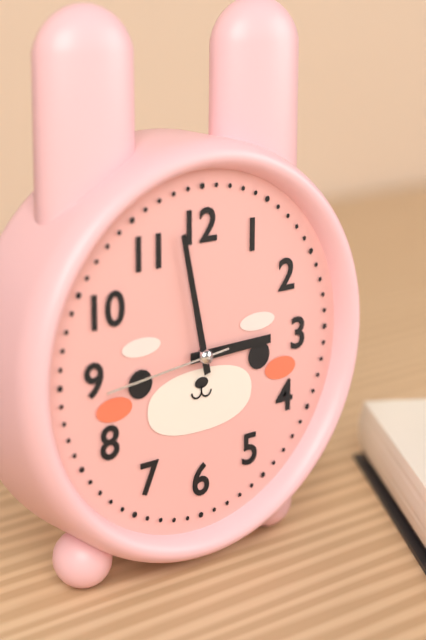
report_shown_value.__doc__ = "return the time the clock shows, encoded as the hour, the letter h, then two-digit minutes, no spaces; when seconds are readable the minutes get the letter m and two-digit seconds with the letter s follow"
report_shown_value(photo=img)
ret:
2h58m44s
